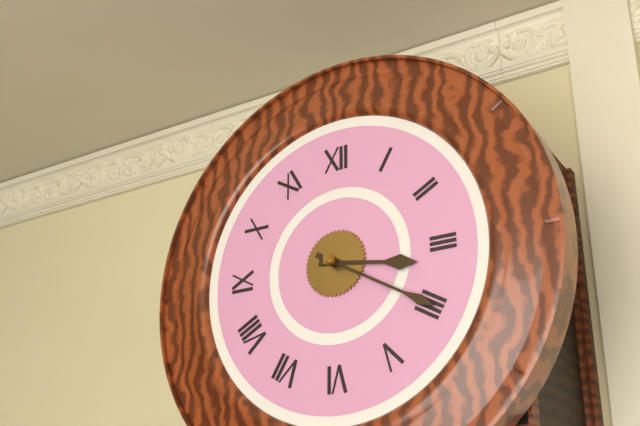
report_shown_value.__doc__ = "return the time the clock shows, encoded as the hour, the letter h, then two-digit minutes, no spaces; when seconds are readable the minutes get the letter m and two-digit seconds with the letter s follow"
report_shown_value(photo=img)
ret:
3h20
